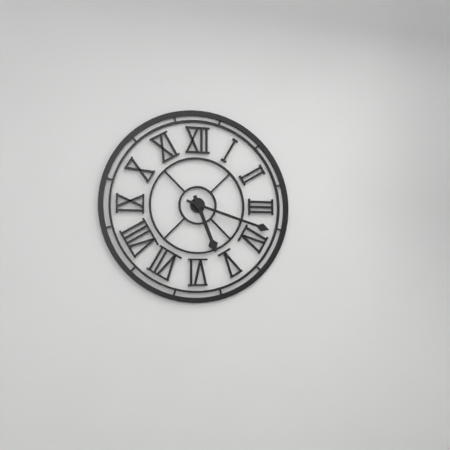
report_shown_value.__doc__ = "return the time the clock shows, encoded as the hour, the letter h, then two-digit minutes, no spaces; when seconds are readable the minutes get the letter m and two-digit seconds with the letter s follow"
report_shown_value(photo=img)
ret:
5h18
